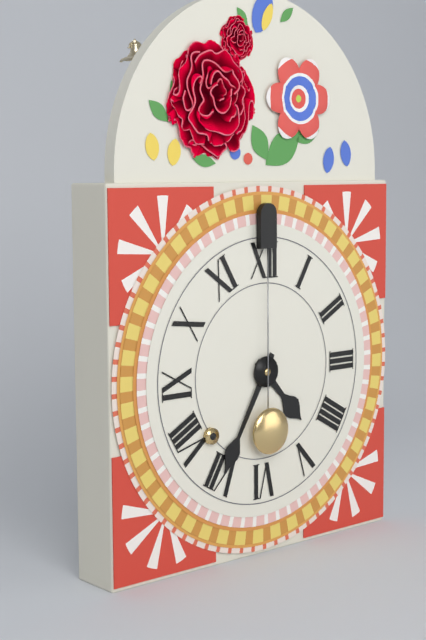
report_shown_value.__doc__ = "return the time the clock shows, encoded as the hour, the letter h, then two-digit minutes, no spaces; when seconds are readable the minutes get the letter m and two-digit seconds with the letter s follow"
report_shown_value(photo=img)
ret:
4h35
